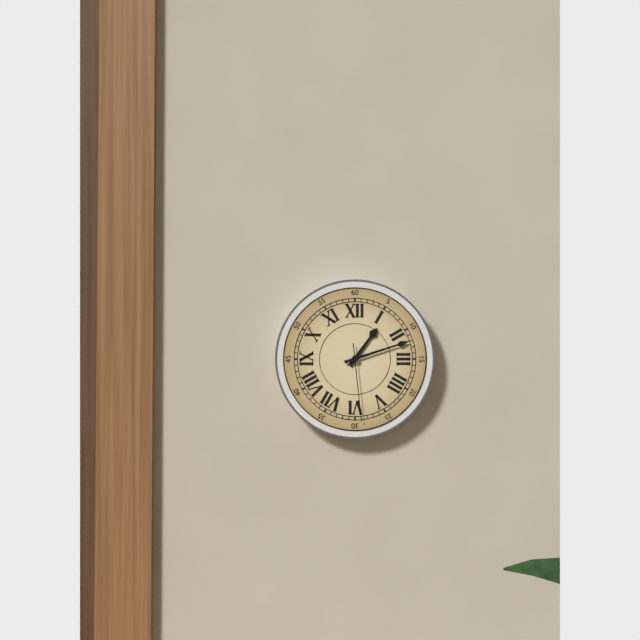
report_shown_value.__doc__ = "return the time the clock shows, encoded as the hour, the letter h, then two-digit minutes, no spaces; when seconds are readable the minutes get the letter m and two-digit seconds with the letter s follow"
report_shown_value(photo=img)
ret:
1h12m29s
